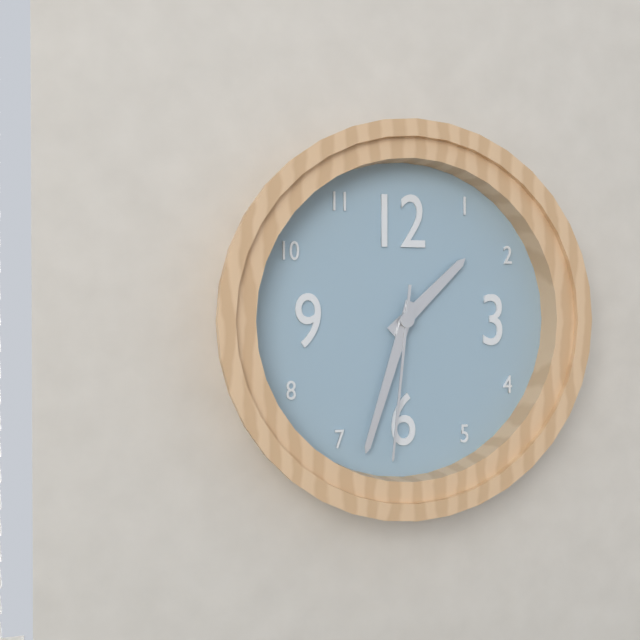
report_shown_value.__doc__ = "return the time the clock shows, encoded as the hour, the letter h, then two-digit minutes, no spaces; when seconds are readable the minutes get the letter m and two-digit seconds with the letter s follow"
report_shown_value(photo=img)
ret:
1h33m31s
